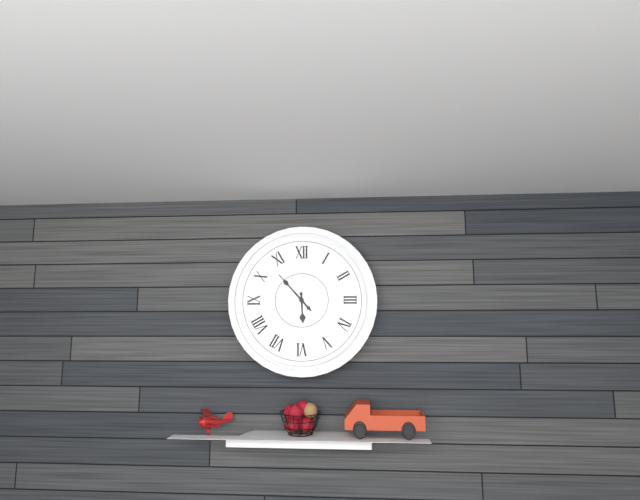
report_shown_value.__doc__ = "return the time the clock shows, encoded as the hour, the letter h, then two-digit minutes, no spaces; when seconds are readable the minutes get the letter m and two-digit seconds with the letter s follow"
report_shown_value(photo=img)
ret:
5h53
